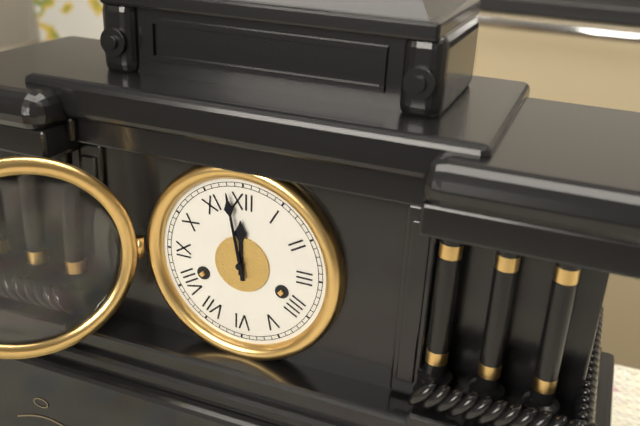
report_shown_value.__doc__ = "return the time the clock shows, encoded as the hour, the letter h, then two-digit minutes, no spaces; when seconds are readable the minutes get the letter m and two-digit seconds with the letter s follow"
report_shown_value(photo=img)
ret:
11h58
